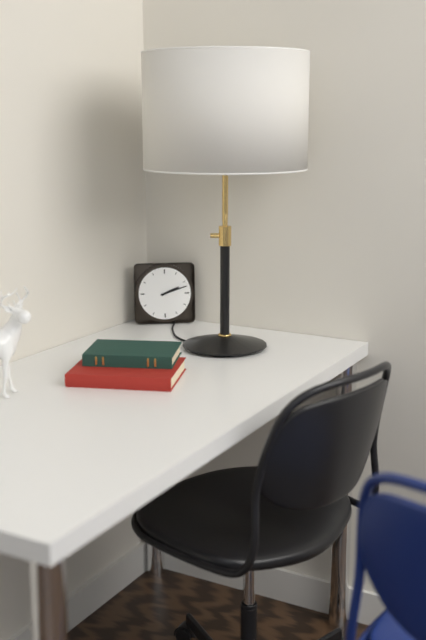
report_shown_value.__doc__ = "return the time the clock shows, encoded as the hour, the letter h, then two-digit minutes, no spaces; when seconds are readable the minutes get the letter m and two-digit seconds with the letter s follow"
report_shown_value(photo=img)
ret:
2h12
